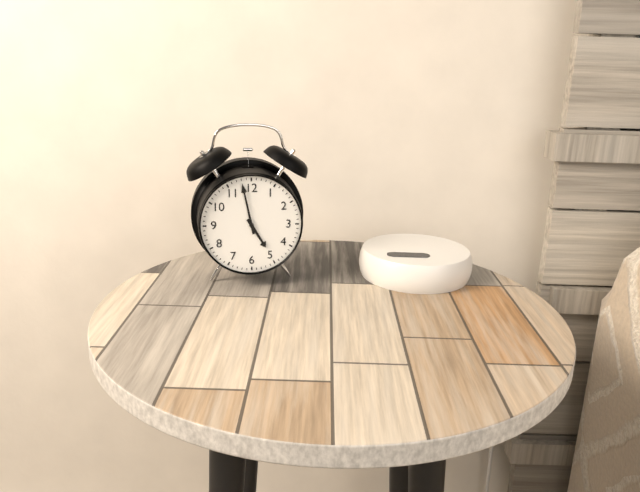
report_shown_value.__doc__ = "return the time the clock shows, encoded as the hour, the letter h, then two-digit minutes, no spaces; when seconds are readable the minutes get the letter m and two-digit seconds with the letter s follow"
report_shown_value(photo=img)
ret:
4h58
